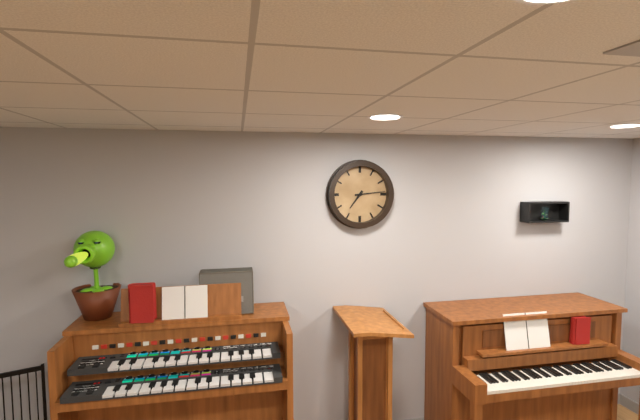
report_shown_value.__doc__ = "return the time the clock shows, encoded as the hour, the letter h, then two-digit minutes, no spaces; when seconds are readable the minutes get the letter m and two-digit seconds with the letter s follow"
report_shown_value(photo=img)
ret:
7h14
